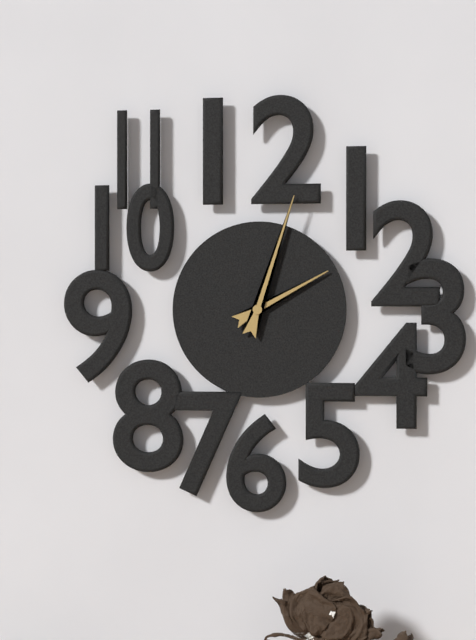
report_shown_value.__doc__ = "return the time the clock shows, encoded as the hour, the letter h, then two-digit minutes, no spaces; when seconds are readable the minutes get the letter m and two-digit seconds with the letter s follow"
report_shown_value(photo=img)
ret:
2h03
